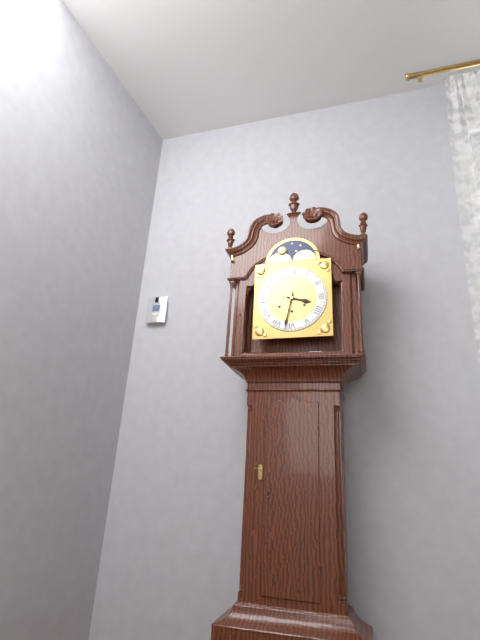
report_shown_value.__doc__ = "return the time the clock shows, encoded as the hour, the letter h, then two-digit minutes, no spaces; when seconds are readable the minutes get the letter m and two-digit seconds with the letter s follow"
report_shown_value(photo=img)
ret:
3h32
